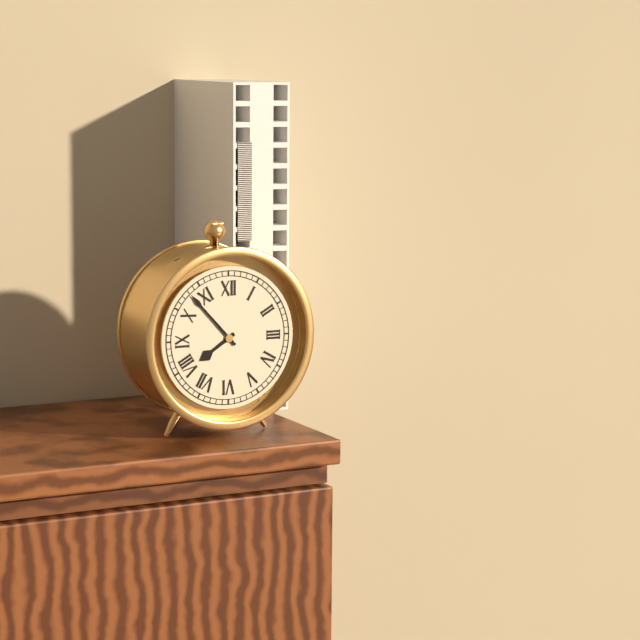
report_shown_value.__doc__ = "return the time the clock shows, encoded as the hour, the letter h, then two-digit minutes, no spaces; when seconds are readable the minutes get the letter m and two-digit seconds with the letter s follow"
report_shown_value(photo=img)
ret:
7h53
